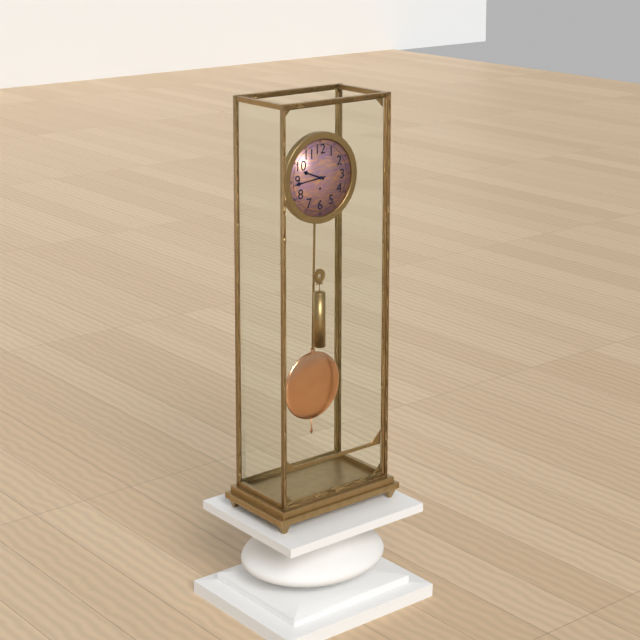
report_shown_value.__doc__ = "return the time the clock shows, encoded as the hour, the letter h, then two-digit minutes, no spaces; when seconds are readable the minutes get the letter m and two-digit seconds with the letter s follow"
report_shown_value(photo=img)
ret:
9h44
